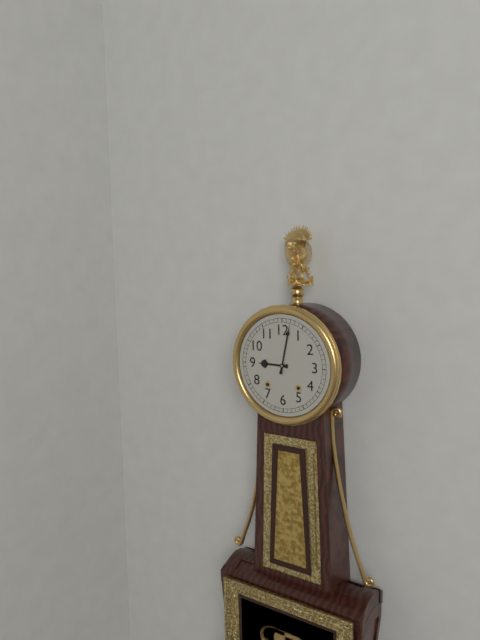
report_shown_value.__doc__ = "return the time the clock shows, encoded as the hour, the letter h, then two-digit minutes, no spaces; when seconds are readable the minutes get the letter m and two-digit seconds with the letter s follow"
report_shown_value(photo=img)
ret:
9h02
